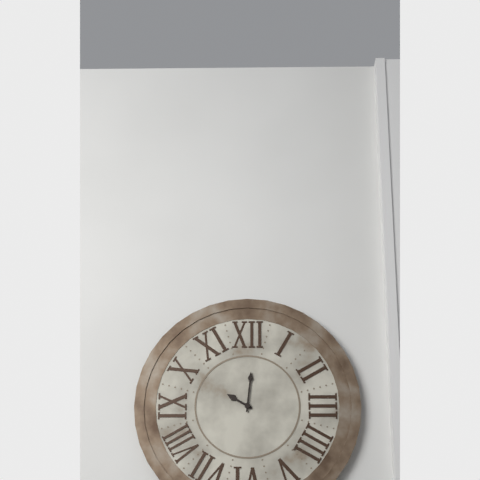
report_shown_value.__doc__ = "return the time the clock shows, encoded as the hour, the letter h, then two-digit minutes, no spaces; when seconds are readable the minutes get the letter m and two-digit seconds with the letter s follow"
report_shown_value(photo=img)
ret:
10h01
